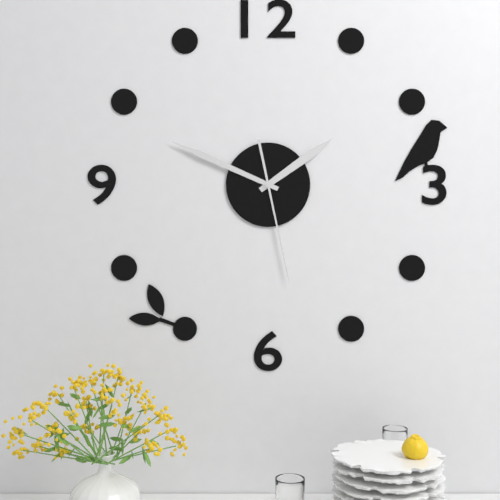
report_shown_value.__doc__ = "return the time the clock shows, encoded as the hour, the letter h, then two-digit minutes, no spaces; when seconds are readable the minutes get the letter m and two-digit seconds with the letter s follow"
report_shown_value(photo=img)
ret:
1h49m28s
